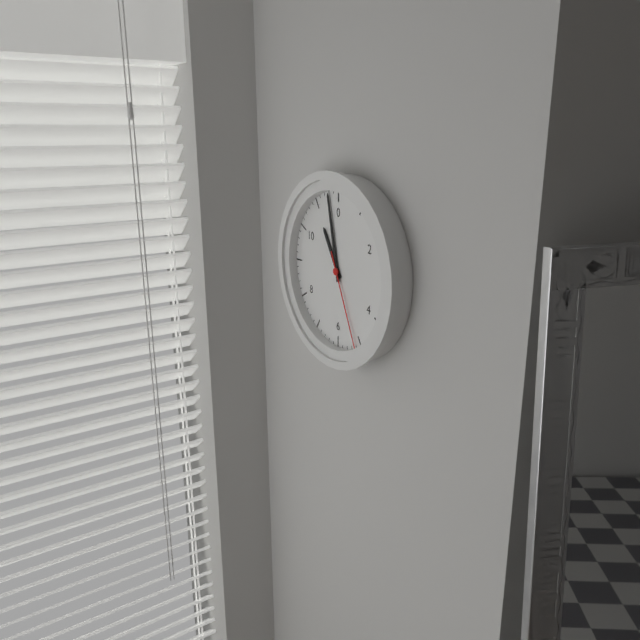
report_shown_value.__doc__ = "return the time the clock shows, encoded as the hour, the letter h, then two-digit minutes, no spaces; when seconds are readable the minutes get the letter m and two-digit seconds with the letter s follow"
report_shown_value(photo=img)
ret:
10h58m26s
